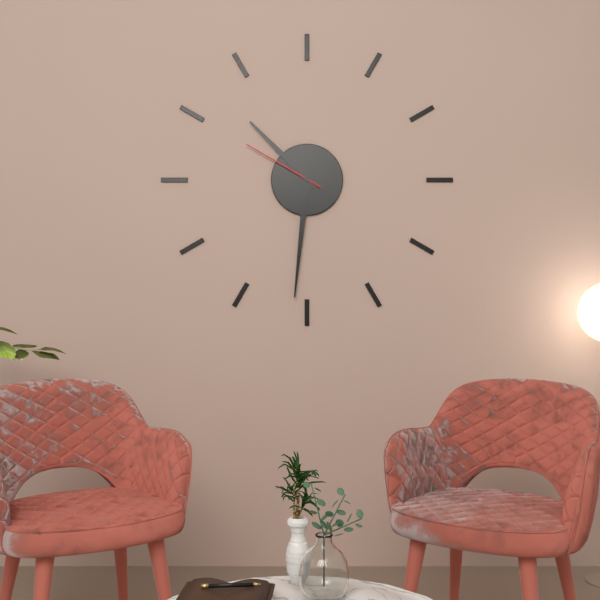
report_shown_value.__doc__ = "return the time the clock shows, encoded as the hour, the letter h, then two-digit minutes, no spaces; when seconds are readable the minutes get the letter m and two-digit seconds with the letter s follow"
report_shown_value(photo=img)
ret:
10h31m50s
